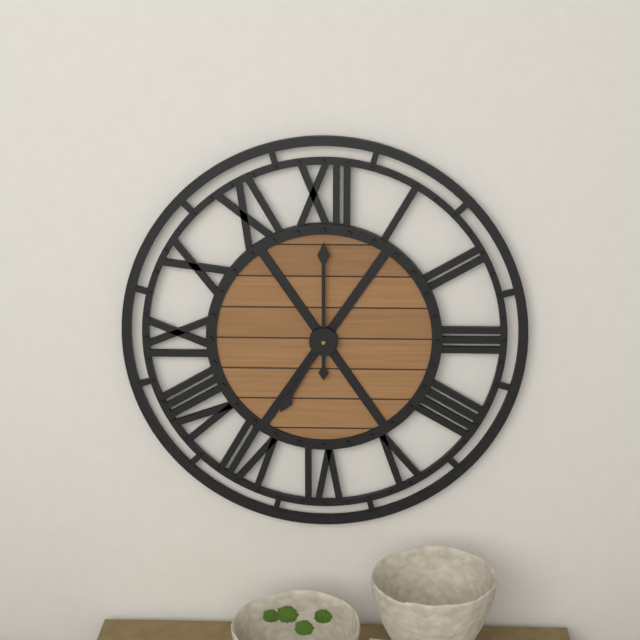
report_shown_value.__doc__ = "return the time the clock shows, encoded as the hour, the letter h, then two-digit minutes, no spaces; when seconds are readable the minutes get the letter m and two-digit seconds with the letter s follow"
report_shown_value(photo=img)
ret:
7h00
